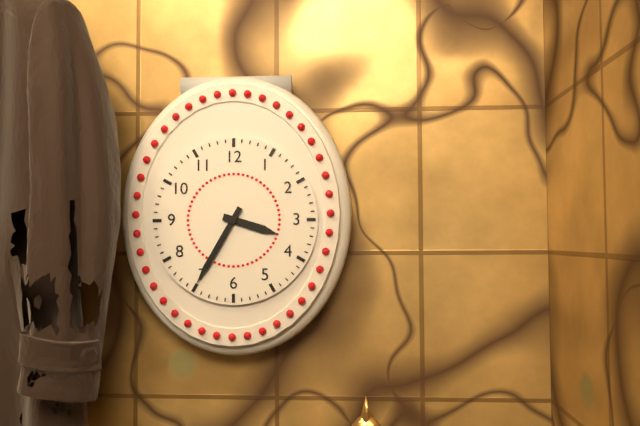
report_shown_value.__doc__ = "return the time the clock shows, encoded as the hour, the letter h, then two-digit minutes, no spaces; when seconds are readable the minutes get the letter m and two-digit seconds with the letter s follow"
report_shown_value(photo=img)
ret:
3h35
